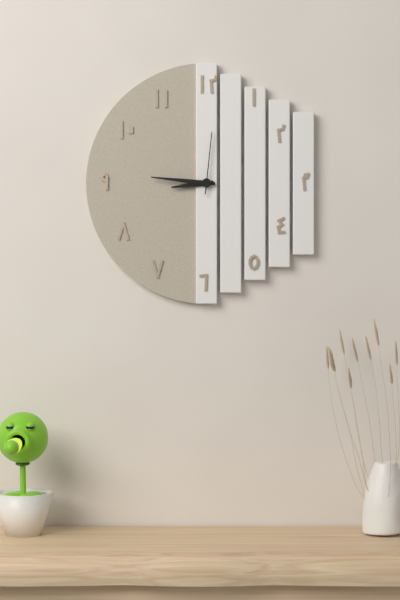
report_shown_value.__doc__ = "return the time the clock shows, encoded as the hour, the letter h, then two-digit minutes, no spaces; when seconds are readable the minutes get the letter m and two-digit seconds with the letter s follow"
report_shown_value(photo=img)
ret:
8h46m01s
